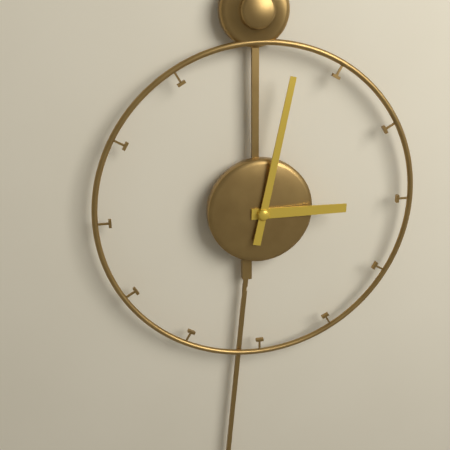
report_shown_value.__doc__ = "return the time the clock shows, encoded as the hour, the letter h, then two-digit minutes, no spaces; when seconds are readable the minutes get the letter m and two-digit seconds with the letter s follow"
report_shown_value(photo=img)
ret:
3h02
